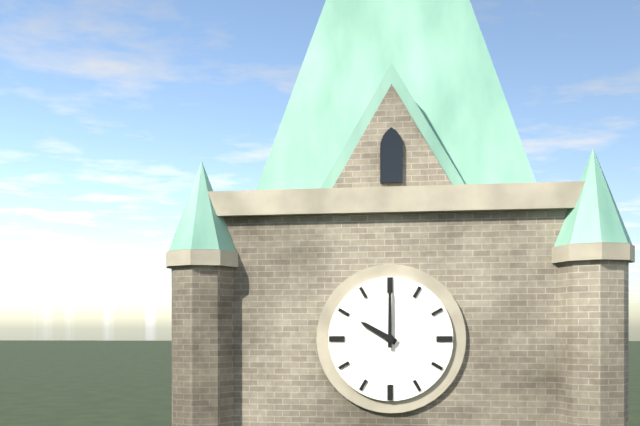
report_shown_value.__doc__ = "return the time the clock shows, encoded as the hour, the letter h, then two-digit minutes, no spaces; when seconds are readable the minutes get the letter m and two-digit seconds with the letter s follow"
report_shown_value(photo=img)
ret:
10h00
